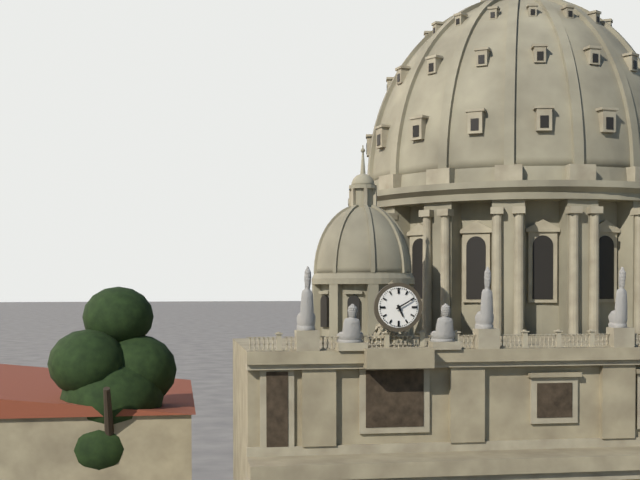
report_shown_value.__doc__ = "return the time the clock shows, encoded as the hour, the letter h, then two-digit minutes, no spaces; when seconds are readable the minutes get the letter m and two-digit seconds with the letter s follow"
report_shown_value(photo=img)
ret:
5h10
